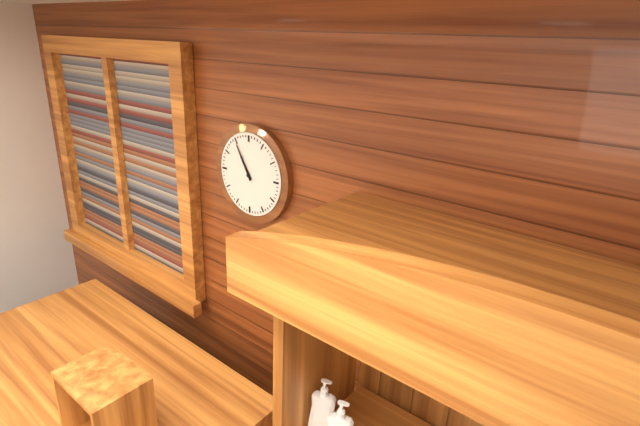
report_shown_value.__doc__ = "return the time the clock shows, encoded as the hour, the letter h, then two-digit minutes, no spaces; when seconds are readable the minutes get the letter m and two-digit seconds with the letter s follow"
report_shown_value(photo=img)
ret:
10h55
